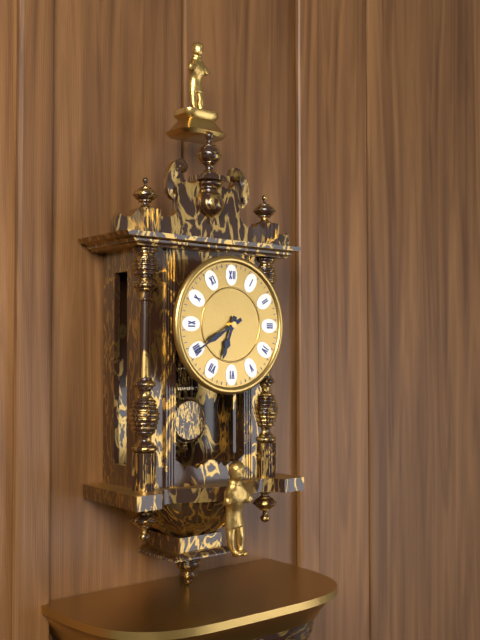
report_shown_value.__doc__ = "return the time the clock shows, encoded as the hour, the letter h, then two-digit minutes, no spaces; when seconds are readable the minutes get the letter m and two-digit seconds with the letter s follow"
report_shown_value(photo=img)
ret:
6h40
